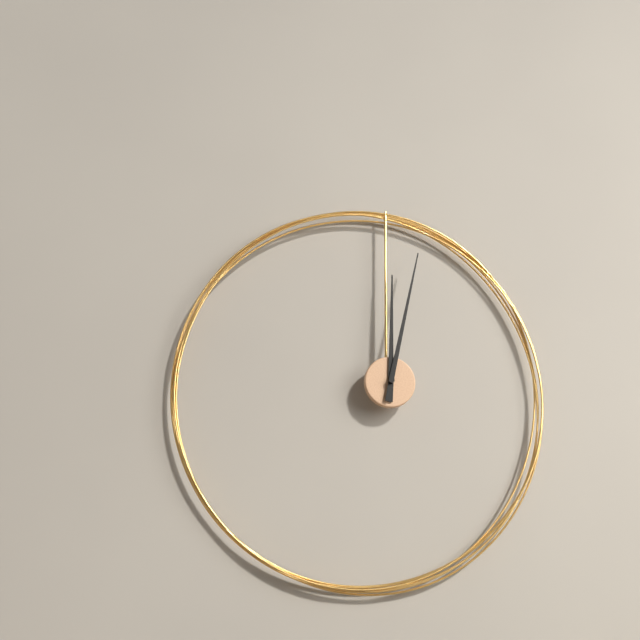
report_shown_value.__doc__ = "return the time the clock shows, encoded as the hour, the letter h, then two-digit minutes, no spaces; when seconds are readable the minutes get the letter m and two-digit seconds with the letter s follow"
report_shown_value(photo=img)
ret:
12h02
